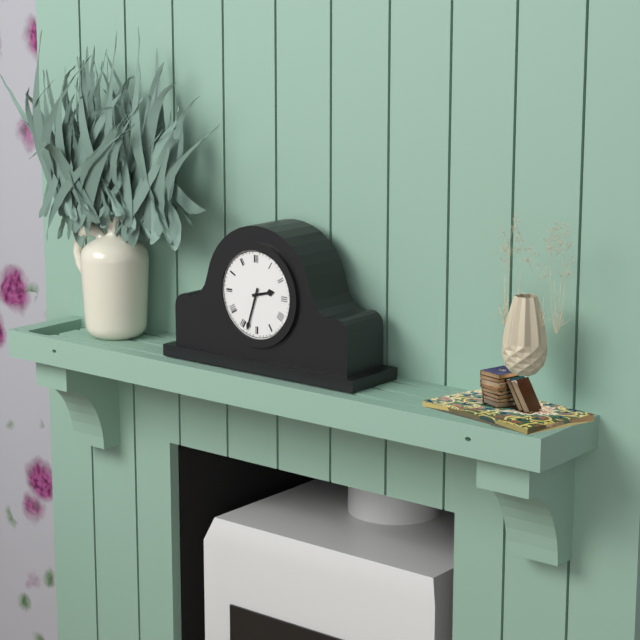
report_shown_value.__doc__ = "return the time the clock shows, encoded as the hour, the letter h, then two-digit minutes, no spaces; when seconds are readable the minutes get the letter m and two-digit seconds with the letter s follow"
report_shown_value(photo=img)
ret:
2h33
